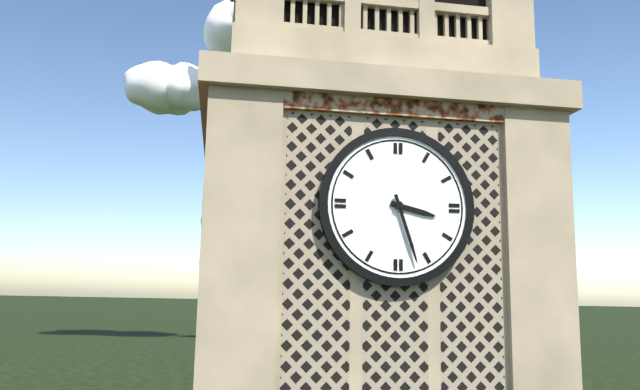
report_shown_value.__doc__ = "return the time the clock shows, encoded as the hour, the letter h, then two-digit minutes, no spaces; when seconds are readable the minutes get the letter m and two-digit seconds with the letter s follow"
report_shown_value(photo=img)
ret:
3h27
